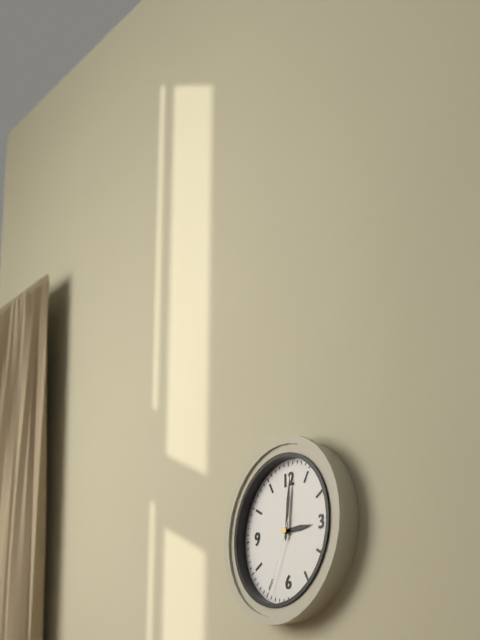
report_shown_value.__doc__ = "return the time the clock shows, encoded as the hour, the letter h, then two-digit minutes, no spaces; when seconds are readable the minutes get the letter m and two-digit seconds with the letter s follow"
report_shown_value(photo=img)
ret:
3h01m34s
